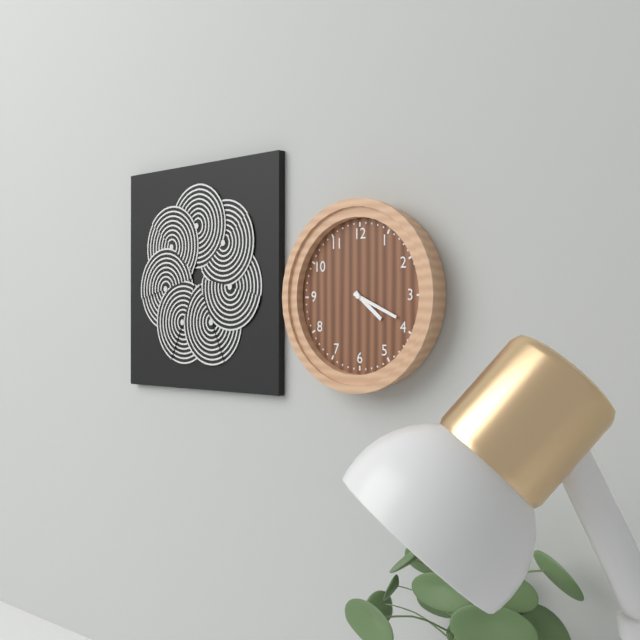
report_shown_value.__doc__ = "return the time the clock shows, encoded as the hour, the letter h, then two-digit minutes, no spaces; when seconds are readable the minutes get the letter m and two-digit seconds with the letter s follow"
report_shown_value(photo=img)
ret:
4h19
